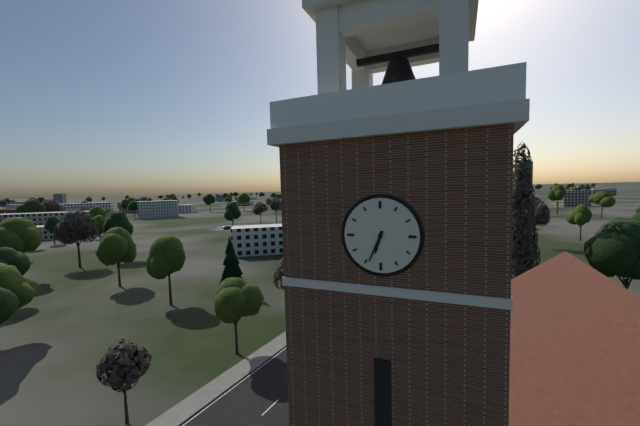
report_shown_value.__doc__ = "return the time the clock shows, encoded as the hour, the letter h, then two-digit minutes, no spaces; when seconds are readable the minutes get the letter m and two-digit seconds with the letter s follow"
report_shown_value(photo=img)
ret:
6h34
